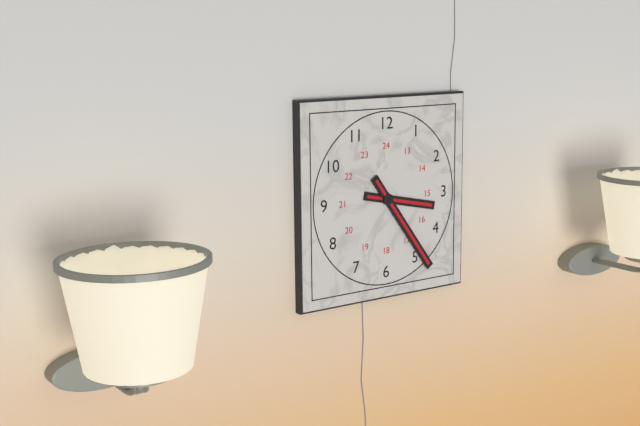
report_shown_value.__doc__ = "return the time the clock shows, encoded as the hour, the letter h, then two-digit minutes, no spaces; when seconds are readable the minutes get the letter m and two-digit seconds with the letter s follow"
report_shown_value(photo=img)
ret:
3h24
